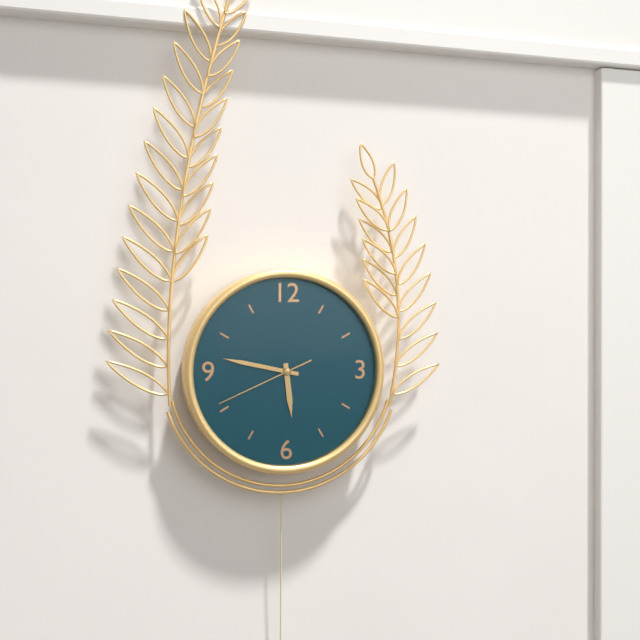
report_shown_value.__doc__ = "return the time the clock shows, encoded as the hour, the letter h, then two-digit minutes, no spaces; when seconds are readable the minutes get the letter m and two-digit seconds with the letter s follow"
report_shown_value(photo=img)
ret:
5h47m41s
